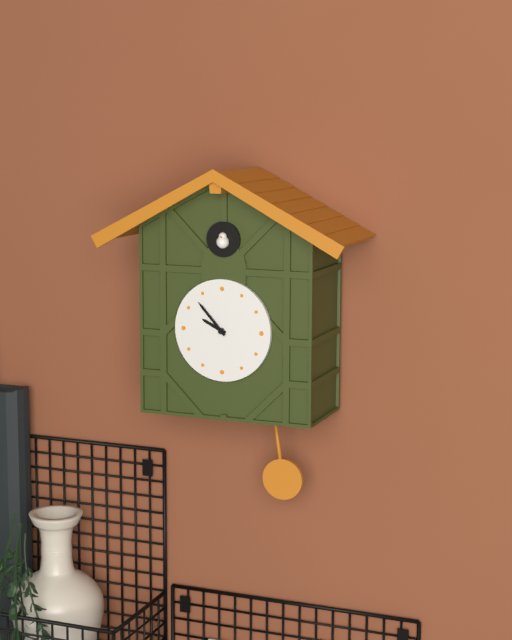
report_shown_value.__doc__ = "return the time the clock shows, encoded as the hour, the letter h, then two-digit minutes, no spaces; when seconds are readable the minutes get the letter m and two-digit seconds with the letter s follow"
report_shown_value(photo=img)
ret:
9h53
